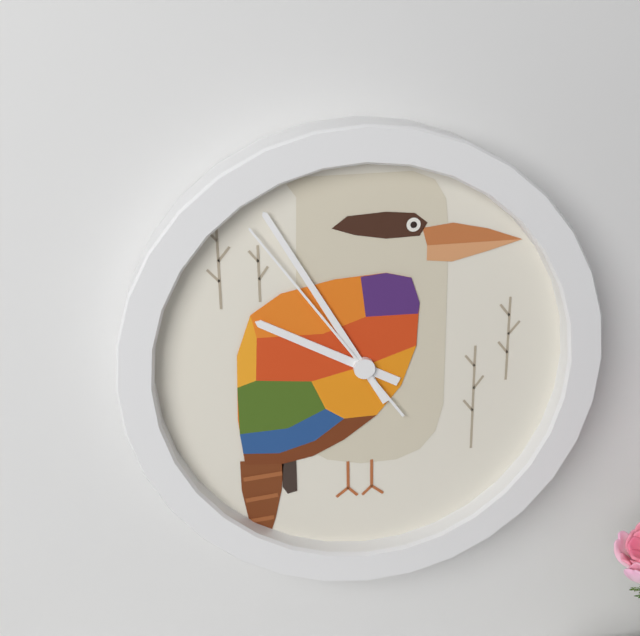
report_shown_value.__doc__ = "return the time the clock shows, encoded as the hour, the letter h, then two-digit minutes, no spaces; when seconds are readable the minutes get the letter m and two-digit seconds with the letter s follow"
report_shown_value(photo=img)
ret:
9h55m54s
